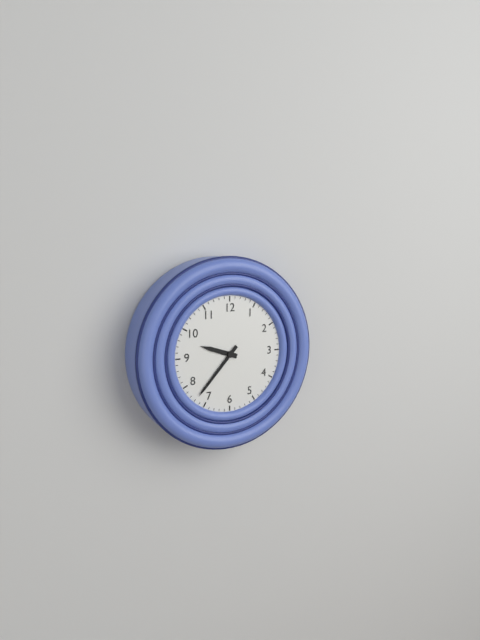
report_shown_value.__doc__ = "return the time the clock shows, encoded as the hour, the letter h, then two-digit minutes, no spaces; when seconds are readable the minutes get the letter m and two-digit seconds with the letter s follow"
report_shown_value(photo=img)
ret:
9h37
